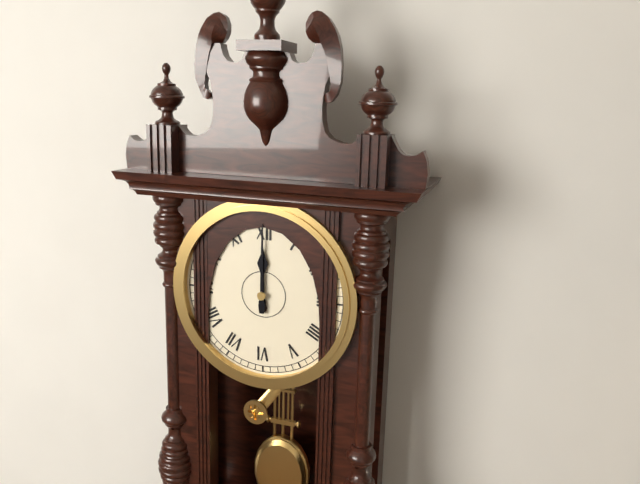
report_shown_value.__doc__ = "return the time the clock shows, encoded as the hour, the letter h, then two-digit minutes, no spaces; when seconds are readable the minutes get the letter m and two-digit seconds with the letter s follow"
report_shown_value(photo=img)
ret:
12h00
